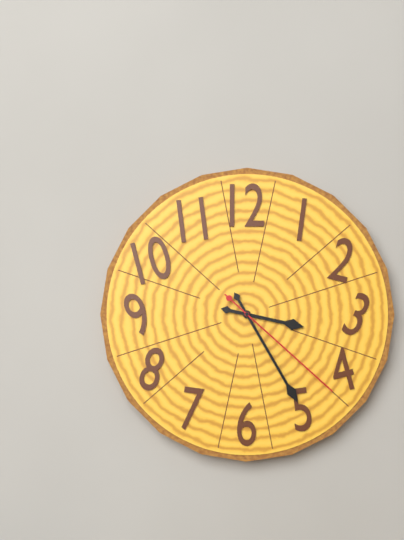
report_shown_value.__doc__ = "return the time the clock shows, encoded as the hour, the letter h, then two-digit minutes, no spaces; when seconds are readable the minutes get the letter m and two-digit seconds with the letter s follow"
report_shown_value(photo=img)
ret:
3h25m22s
